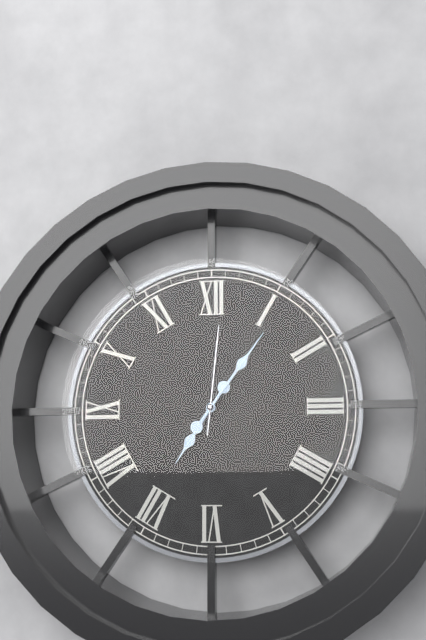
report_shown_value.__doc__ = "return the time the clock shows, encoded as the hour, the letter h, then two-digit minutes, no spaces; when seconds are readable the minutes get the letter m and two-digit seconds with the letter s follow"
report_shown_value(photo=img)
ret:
7h06m01s
